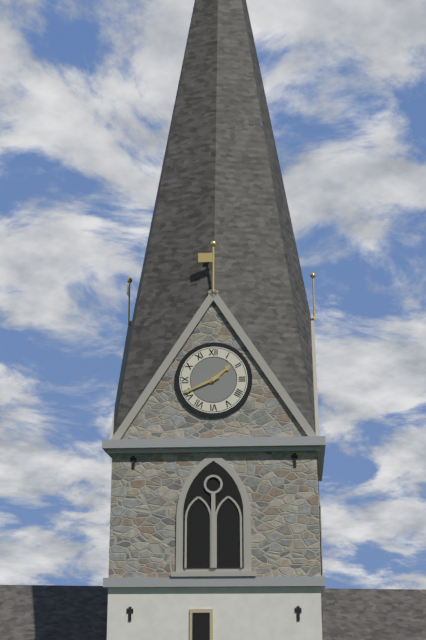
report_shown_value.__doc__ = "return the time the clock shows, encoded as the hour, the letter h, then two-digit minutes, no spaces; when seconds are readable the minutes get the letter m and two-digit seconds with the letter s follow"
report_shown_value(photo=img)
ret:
1h41
